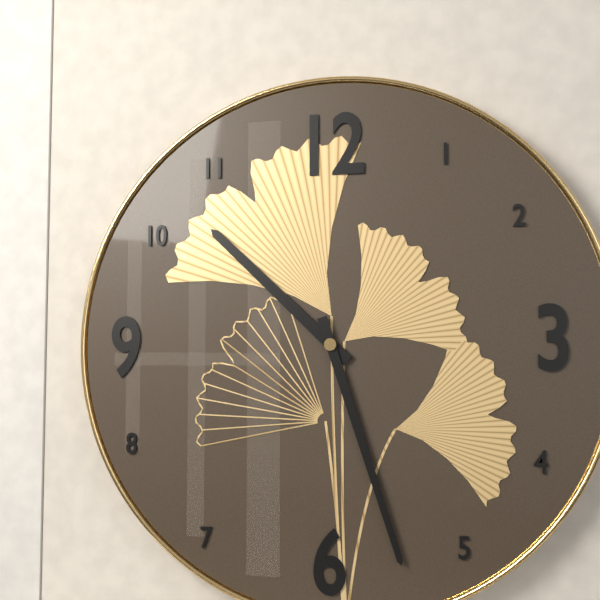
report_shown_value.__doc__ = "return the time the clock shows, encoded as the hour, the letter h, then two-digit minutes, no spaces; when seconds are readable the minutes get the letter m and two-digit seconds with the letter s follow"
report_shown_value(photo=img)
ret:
10h27
